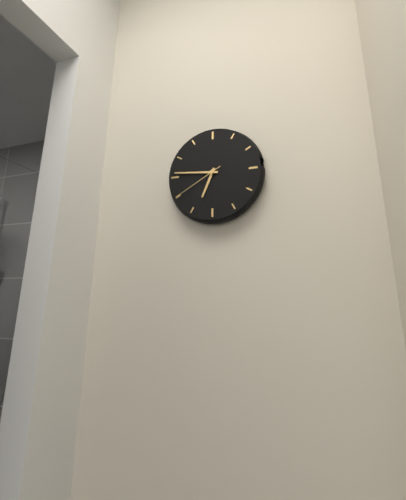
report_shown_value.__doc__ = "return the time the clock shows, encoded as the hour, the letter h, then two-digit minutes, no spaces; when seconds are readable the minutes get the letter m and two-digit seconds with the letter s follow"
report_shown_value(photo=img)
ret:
6h46m40s
